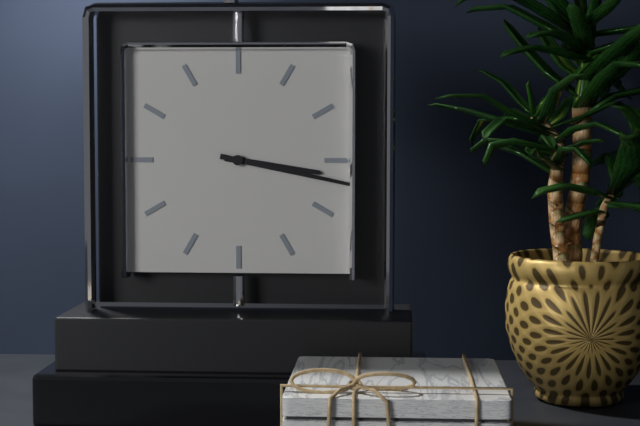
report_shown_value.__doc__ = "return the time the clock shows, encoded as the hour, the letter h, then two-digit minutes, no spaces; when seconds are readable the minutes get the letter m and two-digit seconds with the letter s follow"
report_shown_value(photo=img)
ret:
3h17
